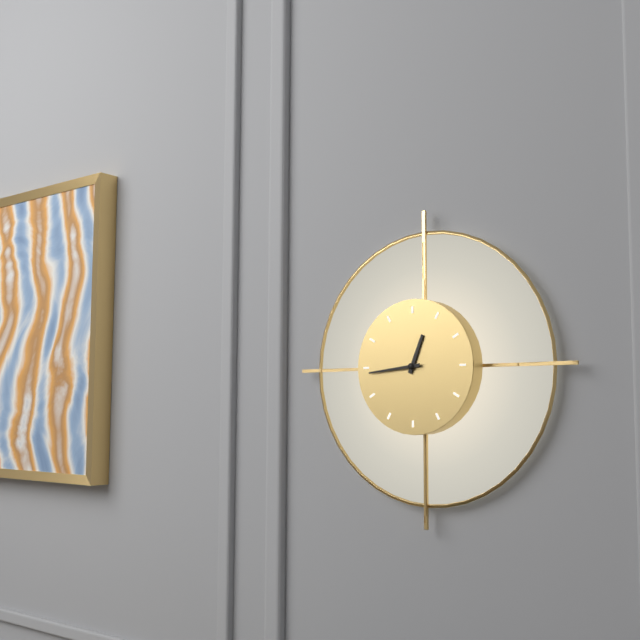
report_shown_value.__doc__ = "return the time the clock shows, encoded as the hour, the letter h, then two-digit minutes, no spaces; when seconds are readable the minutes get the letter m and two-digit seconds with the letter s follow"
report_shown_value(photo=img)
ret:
12h44
